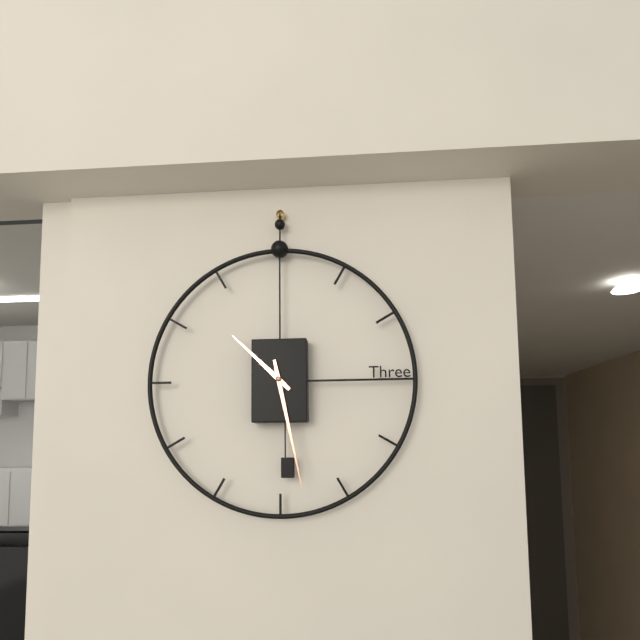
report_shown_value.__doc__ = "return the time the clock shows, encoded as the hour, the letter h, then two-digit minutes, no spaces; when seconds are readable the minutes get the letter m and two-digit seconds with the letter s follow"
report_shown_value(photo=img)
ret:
10h28
